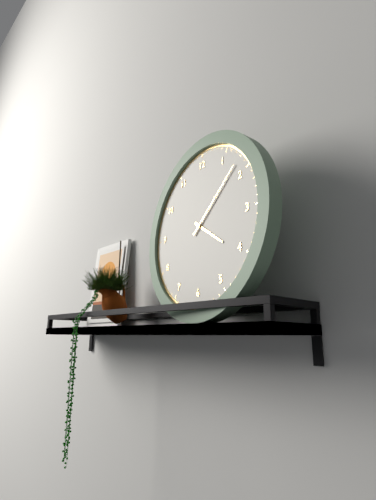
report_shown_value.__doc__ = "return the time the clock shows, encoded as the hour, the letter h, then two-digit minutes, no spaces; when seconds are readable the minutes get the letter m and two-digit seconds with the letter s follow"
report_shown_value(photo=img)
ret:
4h08
